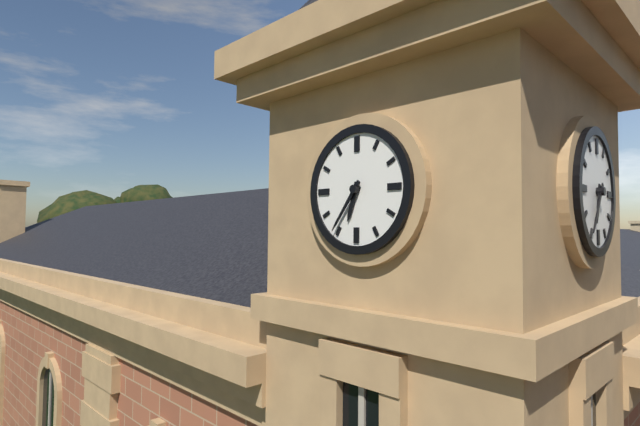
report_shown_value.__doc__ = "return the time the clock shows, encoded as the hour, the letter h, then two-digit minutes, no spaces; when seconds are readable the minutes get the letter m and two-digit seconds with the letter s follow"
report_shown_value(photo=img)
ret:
6h36
